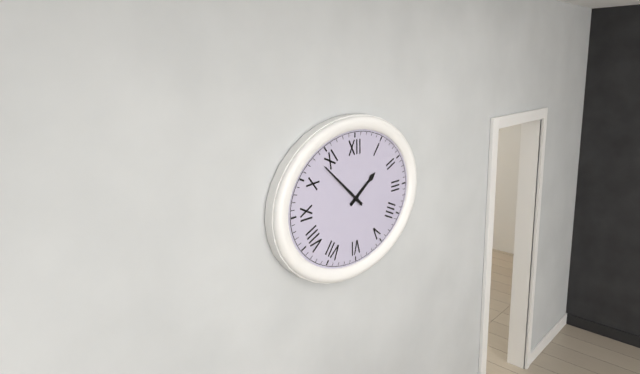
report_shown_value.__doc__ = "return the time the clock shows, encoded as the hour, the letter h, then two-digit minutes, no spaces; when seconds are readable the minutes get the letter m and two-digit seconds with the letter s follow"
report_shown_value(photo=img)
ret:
1h52
